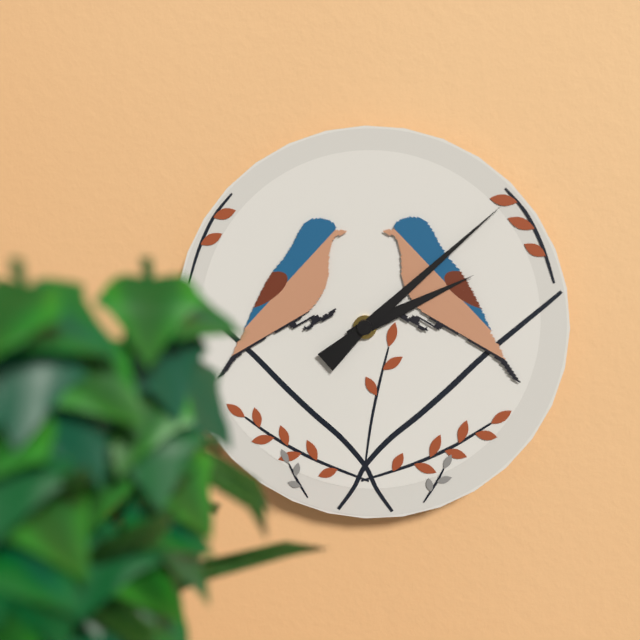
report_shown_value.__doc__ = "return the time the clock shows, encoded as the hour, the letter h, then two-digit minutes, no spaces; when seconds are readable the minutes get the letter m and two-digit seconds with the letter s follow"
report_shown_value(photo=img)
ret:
2h08
